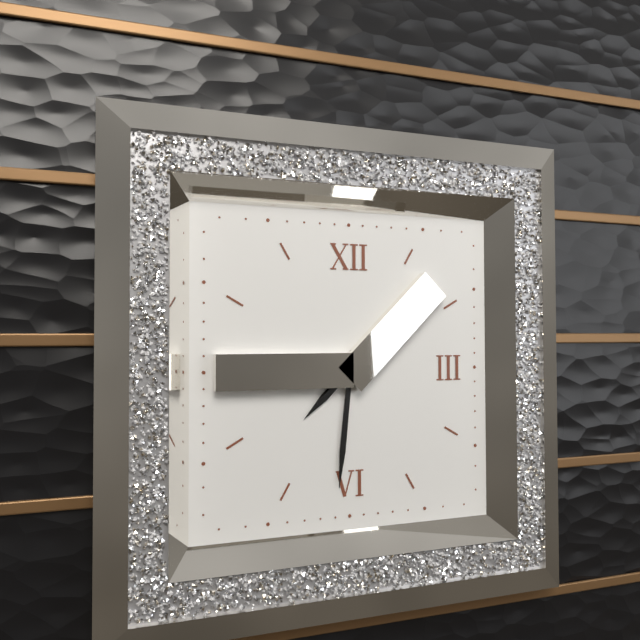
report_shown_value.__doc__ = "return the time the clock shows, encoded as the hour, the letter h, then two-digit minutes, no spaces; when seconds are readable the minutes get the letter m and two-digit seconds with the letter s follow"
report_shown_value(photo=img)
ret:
7h31
